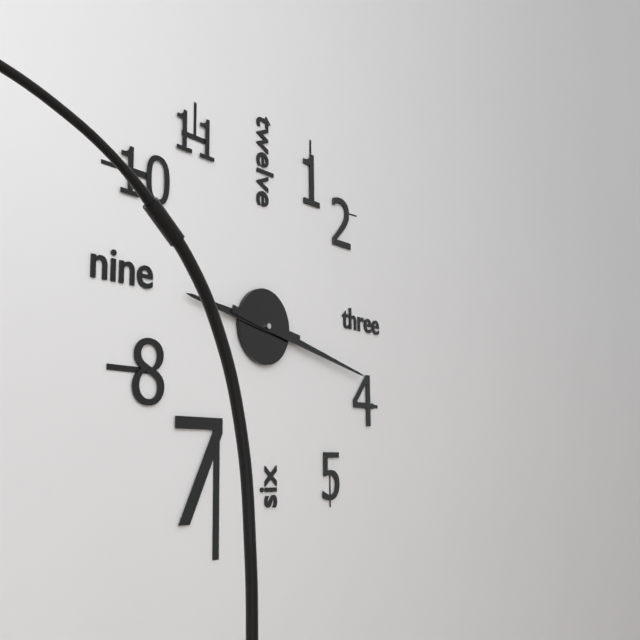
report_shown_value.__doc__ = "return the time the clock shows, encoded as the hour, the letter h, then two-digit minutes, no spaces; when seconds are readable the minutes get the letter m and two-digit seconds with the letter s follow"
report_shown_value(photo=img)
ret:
9h17
